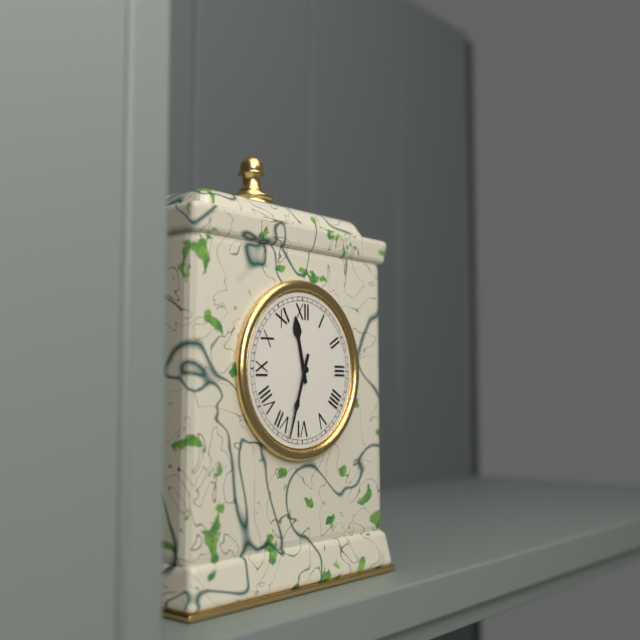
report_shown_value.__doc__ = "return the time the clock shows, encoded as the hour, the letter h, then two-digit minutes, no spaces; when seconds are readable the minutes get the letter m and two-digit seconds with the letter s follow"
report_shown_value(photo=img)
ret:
11h33
